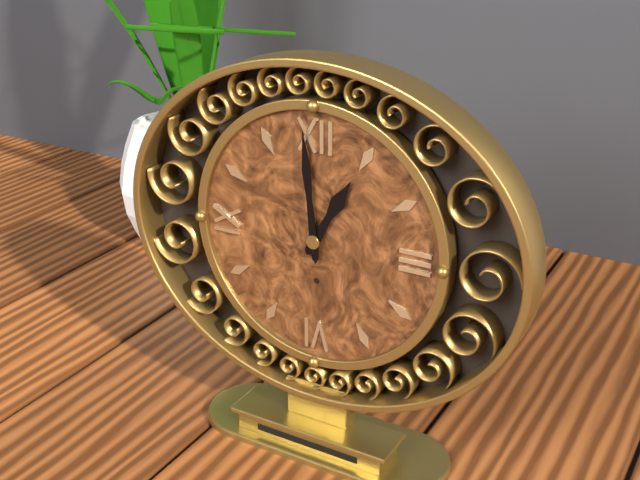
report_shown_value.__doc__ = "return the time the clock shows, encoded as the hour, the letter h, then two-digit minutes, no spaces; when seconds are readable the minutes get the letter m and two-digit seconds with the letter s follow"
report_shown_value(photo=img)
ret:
12h59
